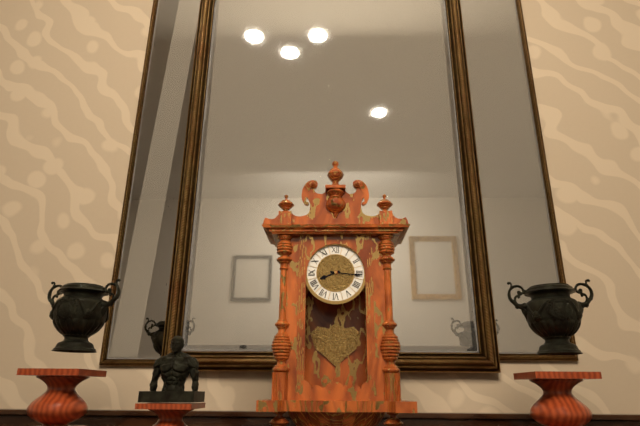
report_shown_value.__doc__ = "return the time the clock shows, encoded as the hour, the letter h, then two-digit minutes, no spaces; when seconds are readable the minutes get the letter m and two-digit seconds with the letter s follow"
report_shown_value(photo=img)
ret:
8h16
